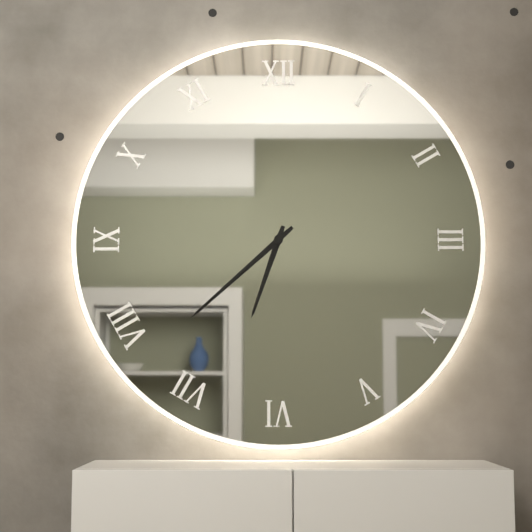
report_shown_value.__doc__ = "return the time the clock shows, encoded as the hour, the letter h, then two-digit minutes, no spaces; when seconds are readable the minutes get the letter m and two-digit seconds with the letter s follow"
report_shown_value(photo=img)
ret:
6h38
